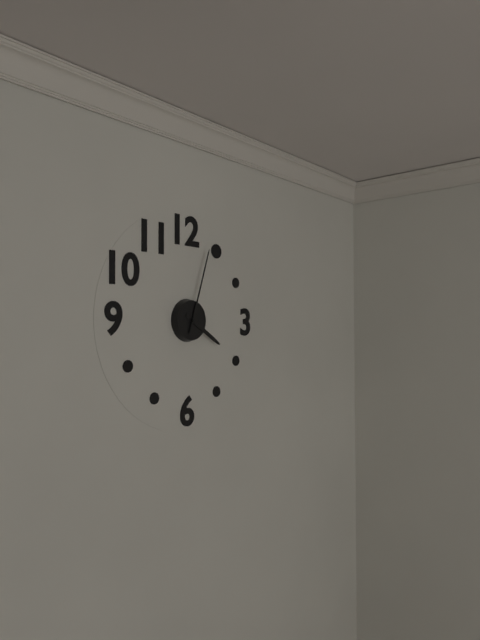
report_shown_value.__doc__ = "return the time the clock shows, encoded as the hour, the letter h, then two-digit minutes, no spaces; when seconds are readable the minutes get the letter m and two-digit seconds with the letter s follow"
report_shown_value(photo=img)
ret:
4h03
